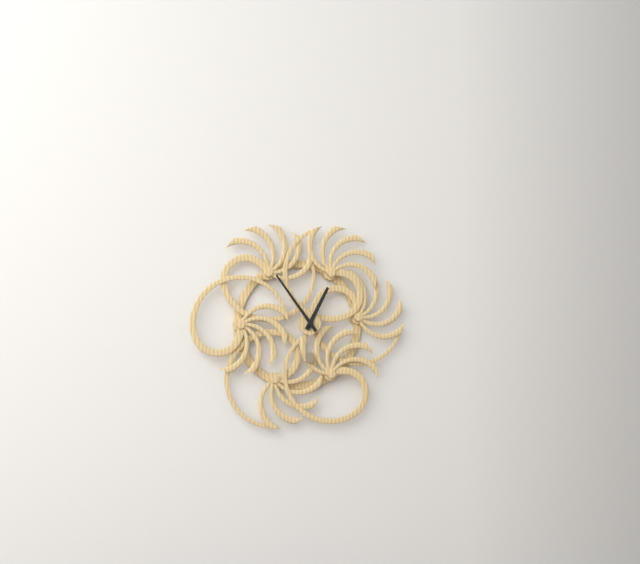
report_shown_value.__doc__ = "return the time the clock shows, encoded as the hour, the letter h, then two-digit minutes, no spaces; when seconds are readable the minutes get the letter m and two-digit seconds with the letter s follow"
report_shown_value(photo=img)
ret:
12h54
